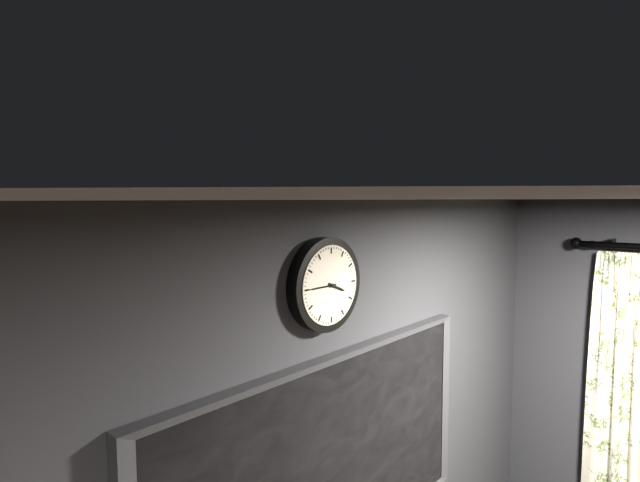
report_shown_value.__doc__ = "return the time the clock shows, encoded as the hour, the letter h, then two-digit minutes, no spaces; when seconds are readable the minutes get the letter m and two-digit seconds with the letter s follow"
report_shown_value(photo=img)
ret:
3h45
